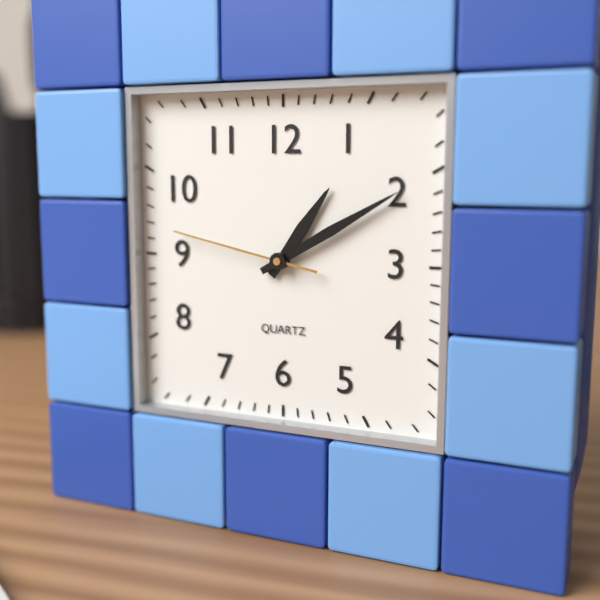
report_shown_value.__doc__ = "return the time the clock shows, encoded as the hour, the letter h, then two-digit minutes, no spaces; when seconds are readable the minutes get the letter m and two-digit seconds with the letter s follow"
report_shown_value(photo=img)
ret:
1h10m47s
